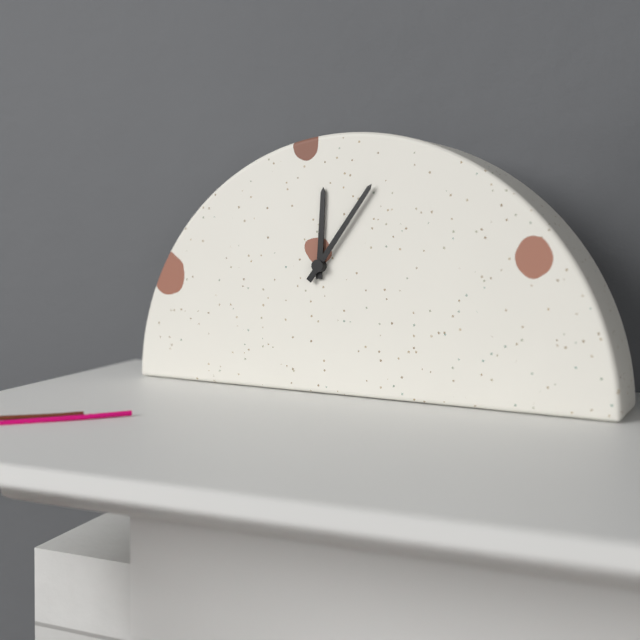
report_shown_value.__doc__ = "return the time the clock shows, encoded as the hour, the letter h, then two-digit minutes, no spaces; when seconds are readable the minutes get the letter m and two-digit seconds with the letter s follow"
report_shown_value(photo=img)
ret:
12h06
